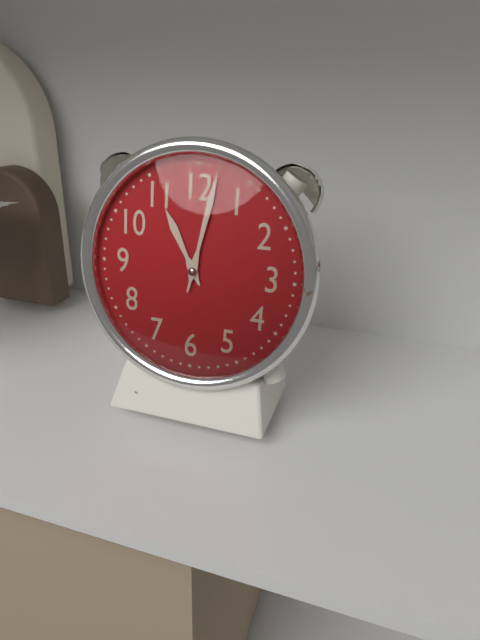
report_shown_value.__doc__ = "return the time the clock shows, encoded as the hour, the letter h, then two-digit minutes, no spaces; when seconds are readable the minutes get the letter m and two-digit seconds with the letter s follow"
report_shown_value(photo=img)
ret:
11h02
